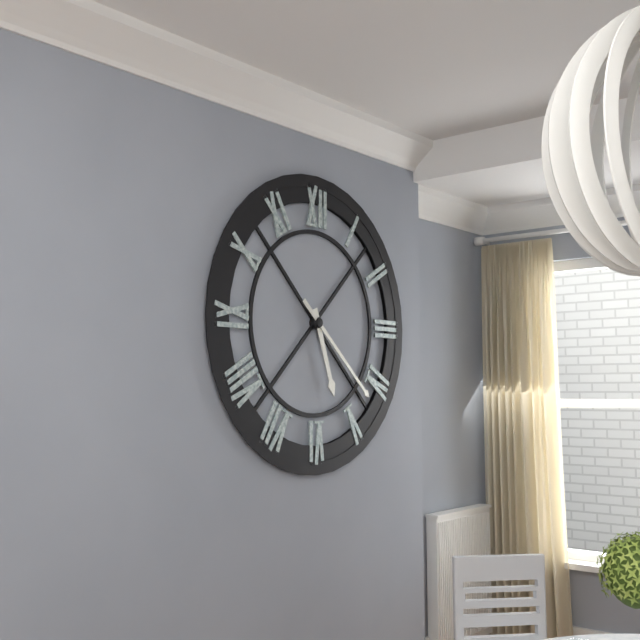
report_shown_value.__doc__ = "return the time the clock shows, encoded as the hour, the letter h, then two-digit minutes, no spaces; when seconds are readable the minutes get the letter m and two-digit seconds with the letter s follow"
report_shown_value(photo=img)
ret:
5h22
